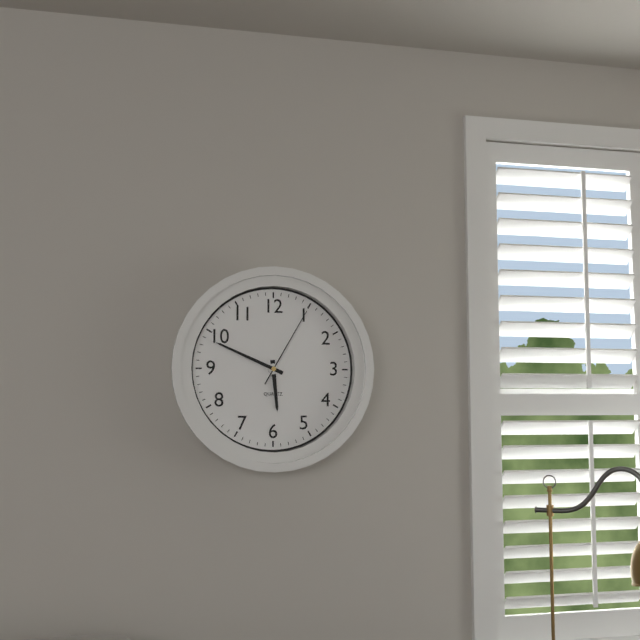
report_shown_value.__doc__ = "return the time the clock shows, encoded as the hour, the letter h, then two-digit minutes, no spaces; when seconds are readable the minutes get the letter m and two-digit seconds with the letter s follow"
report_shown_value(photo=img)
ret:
5h49m05s
